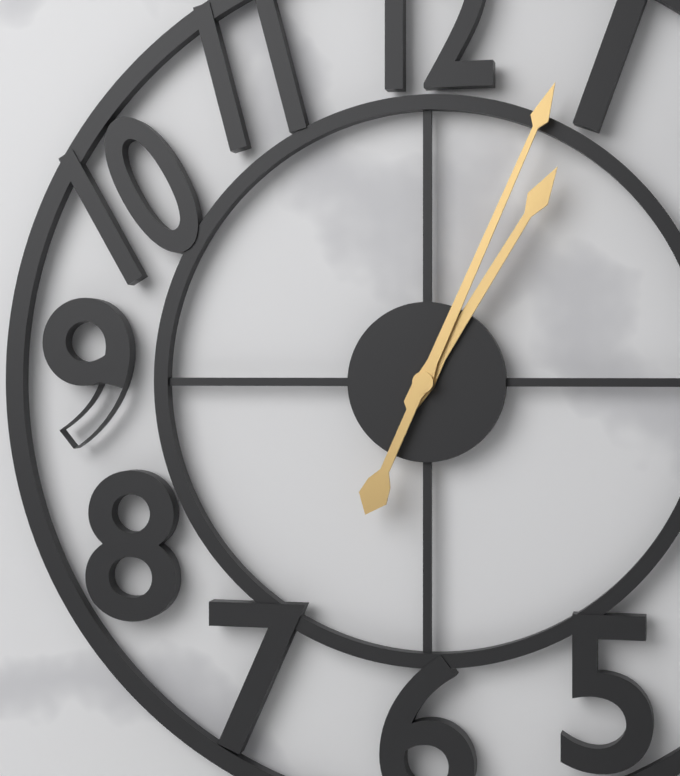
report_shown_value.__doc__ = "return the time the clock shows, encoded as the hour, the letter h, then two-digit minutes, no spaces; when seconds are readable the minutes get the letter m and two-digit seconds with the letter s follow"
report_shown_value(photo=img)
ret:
1h04
